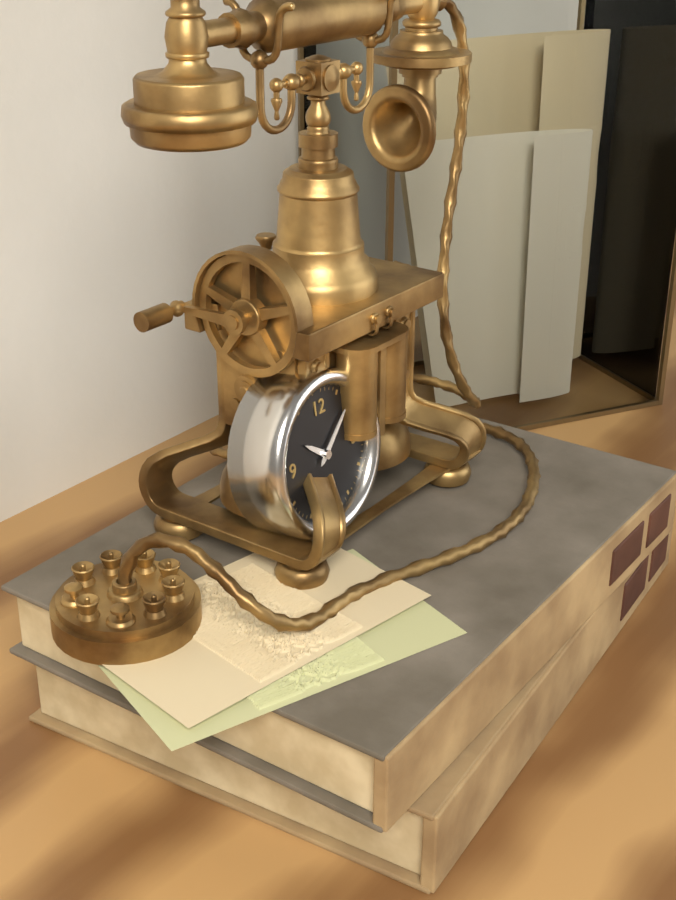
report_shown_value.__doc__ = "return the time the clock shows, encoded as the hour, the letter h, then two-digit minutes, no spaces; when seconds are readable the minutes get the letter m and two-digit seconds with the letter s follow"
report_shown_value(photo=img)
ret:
10h08
